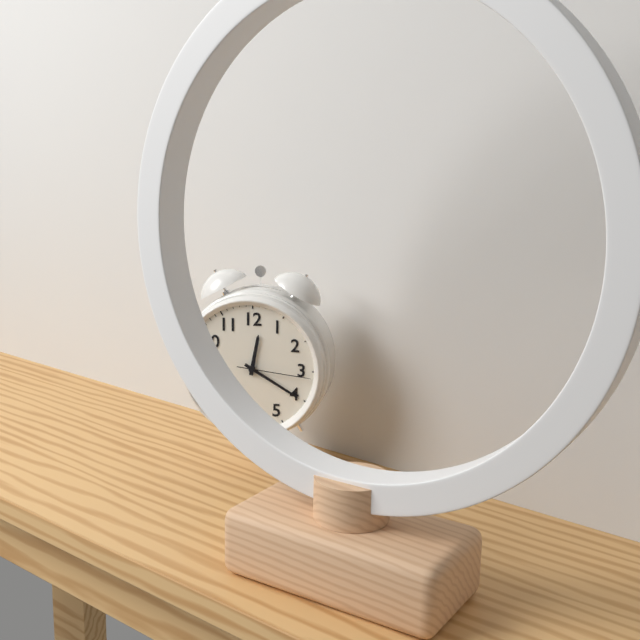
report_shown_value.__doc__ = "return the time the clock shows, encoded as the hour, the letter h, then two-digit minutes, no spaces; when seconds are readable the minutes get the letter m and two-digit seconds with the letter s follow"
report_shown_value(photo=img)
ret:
12h20m16s
